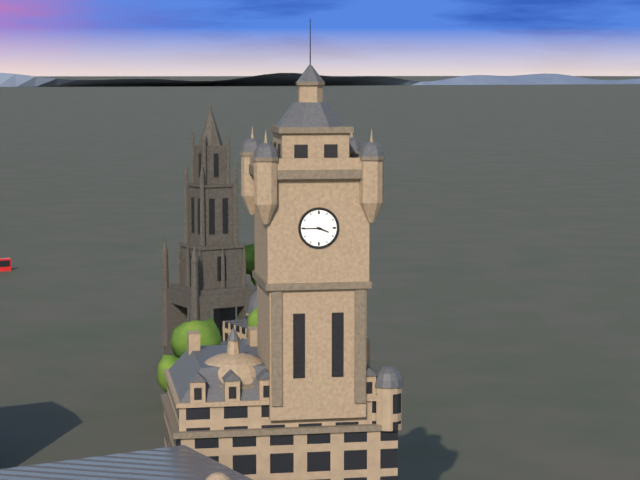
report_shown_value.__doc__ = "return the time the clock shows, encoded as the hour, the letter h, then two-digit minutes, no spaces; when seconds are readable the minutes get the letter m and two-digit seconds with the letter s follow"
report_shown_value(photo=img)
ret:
3h45
